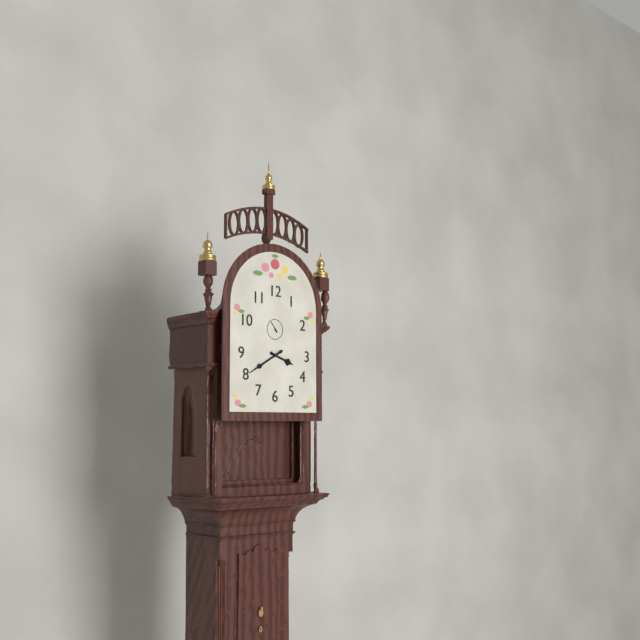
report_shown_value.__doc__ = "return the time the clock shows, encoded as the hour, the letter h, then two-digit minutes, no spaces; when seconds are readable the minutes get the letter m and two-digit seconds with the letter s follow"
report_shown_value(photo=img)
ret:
3h40
